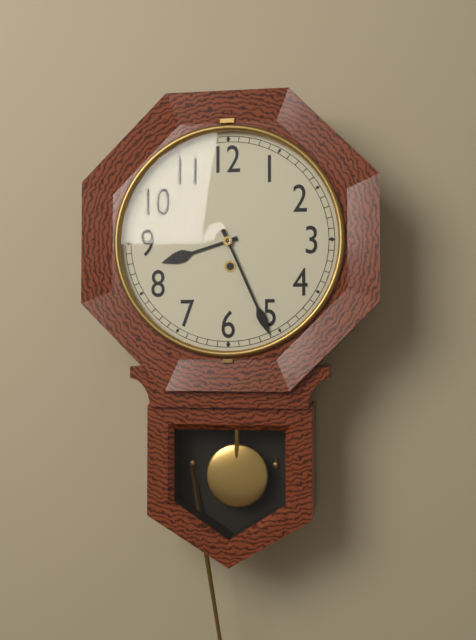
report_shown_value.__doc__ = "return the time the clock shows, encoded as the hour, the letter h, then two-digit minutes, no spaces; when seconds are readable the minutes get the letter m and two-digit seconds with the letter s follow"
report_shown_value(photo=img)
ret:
8h26
